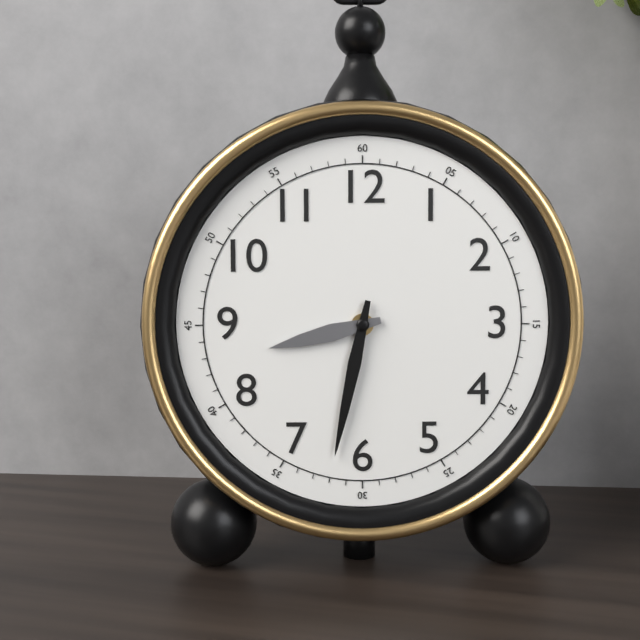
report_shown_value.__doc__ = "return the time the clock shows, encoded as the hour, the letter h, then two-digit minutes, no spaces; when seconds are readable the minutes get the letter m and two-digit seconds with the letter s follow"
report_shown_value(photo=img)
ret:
8h32
